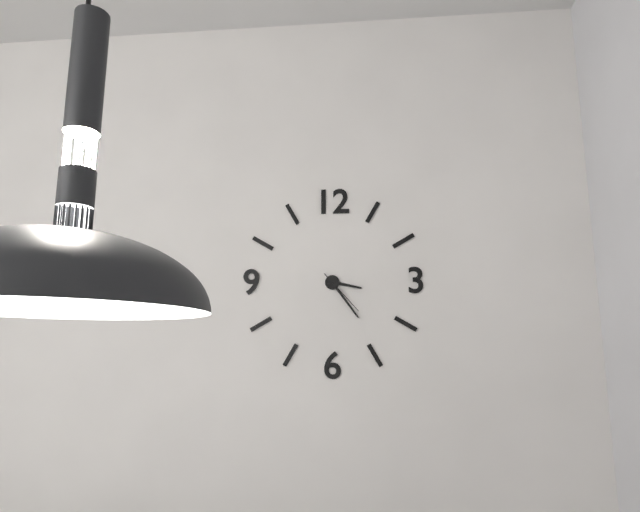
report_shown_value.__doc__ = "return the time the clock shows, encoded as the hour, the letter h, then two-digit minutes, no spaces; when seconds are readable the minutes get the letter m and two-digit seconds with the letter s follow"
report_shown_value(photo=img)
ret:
3h24
